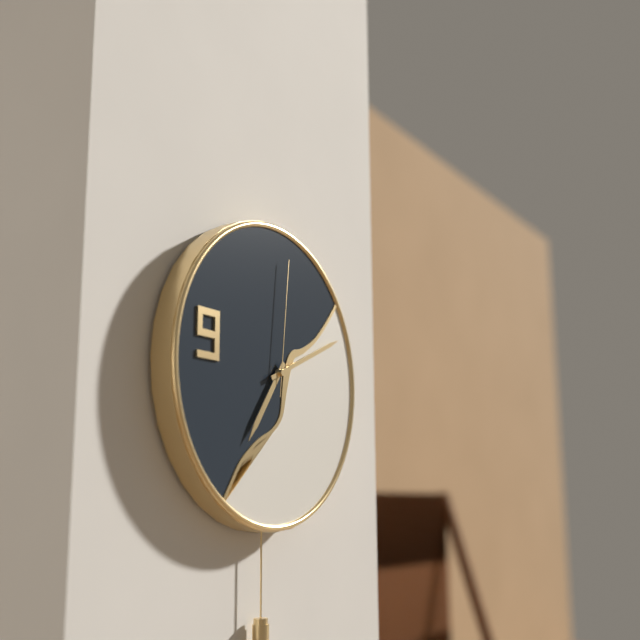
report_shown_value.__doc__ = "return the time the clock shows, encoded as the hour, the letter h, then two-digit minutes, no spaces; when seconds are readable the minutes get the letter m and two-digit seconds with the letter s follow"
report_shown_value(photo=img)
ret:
7h11m01s
